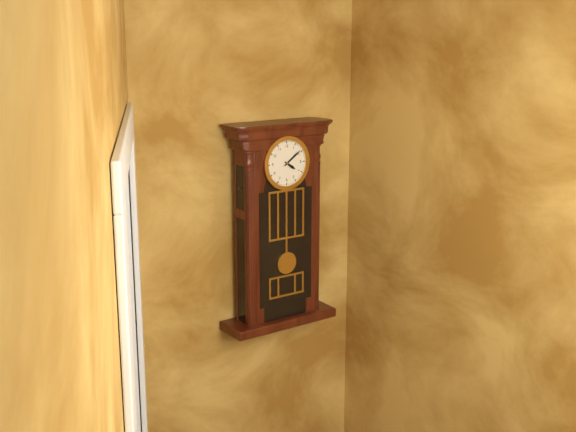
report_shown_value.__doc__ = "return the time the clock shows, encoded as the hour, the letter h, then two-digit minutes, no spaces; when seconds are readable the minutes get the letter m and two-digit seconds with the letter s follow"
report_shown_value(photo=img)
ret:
4h09
